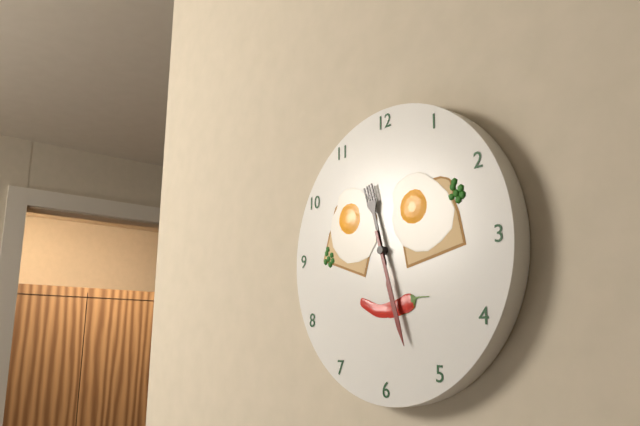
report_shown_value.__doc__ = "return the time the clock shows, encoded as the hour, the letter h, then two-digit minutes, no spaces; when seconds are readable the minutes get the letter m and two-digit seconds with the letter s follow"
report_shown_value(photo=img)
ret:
11h27
